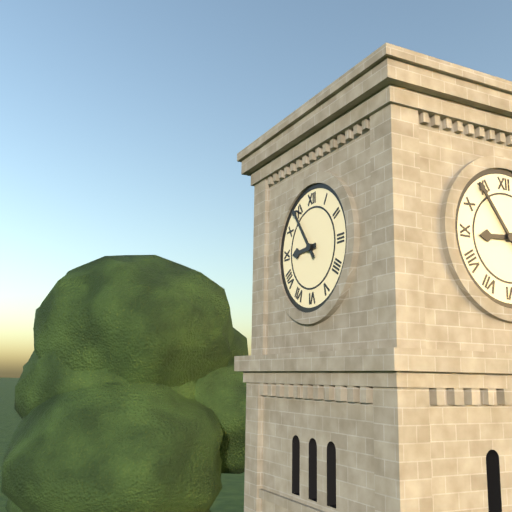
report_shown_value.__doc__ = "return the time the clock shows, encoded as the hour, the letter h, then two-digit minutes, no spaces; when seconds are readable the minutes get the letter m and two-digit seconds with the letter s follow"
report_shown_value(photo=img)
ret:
8h54
